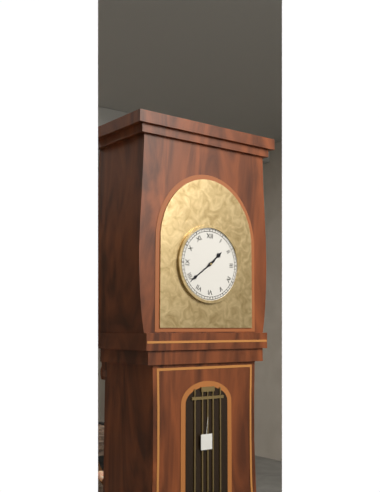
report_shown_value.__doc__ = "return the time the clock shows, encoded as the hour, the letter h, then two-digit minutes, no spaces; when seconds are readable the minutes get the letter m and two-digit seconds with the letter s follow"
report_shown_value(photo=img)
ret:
1h39
